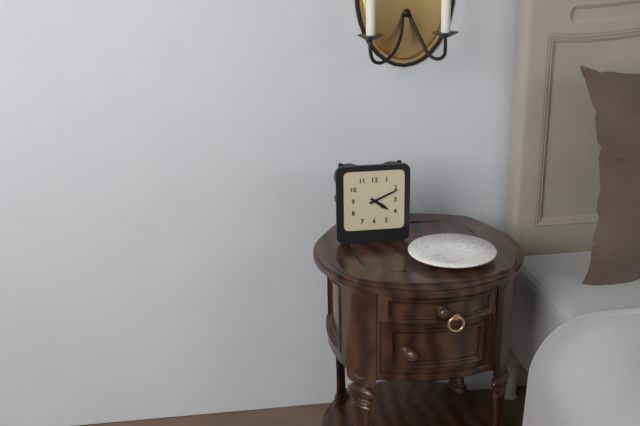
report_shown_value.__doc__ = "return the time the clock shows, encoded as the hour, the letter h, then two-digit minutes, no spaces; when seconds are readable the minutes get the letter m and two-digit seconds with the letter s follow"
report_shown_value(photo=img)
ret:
4h11
